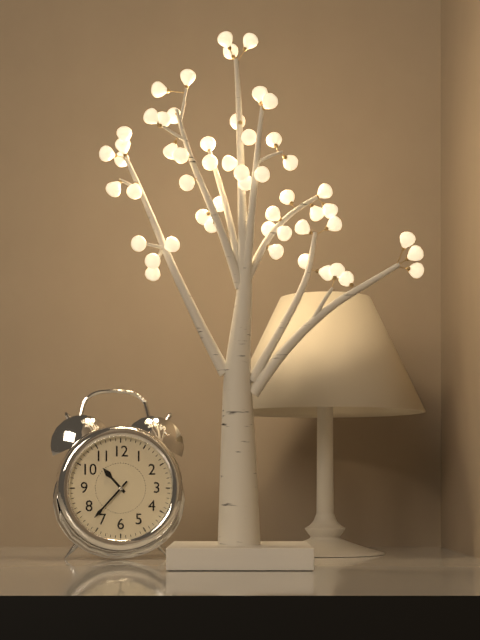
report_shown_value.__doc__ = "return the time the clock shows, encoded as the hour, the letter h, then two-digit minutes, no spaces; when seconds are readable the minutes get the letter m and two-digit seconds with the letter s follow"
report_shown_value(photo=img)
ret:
10h37
